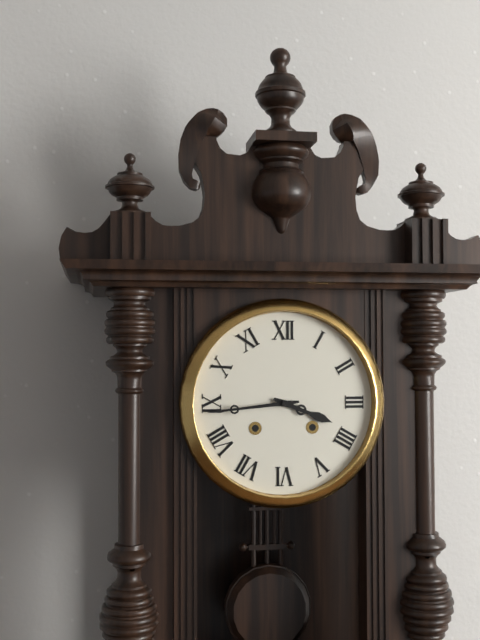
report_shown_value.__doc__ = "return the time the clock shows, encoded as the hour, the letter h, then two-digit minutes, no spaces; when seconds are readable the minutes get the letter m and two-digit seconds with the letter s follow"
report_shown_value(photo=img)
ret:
3h44
